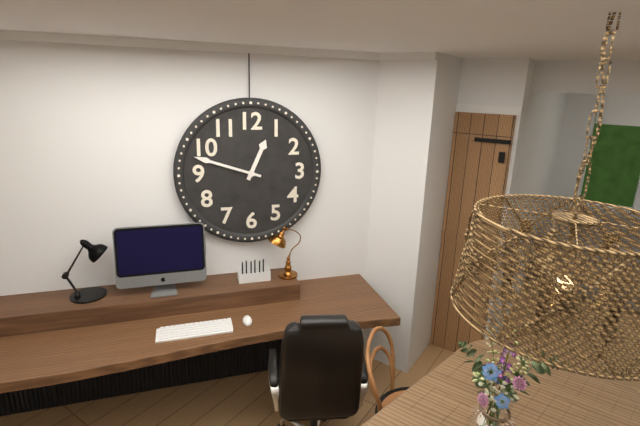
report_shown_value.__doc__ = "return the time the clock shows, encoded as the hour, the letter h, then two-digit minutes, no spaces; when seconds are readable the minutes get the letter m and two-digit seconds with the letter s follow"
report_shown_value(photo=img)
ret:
12h48
